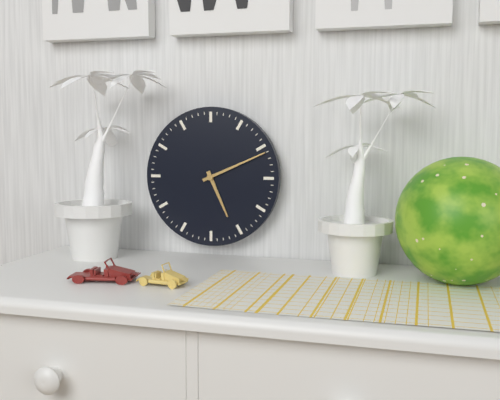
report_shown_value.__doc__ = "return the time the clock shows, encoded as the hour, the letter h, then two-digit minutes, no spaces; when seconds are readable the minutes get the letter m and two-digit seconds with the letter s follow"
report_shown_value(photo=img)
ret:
5h11
